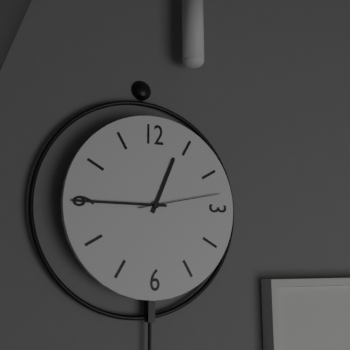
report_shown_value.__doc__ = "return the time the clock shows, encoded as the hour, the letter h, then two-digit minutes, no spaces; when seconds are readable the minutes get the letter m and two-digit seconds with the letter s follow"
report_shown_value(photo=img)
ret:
12h45m13s
